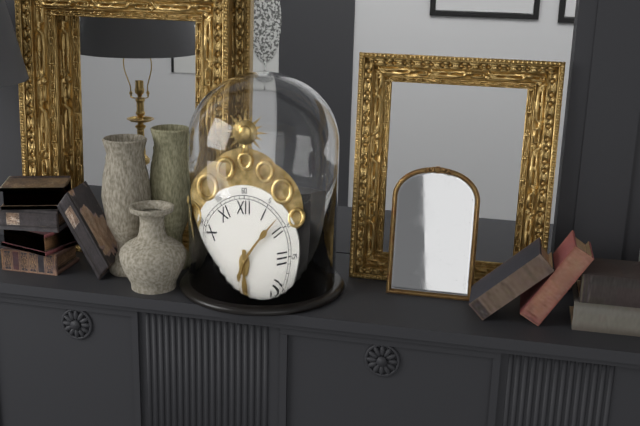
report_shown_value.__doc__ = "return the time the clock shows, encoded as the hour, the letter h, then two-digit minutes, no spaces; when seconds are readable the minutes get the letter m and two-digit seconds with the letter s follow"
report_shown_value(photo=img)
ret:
6h08
